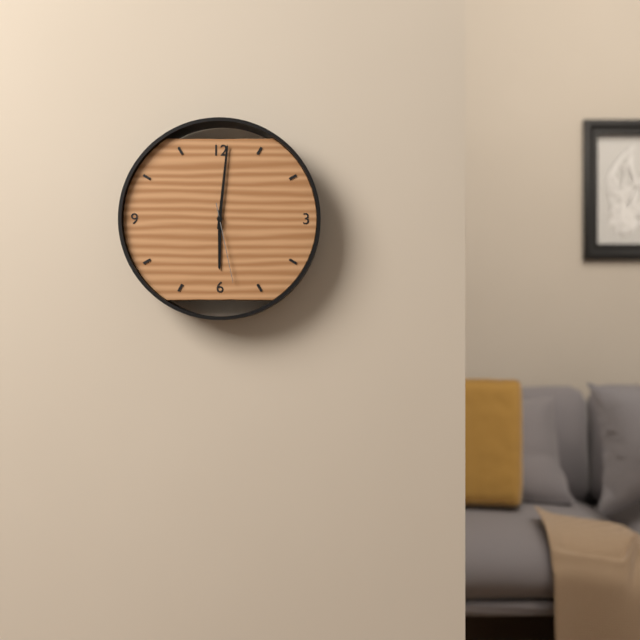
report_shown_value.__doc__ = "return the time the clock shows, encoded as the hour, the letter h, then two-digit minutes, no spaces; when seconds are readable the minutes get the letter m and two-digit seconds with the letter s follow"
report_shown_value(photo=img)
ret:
6h01m28s
